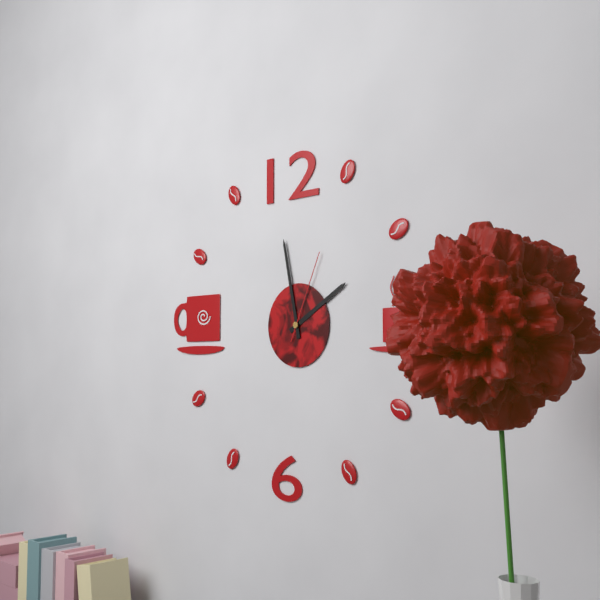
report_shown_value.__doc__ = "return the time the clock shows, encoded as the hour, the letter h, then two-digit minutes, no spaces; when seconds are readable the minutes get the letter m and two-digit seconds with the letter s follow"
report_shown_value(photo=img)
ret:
1h58m04s
